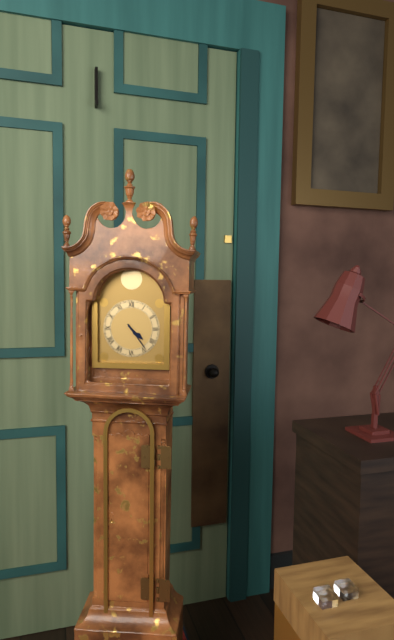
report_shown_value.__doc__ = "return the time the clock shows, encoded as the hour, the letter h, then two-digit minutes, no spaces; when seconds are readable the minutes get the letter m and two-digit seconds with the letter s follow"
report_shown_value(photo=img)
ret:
4h24
